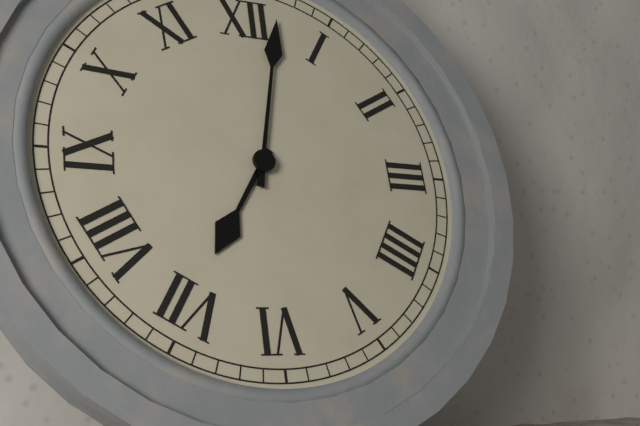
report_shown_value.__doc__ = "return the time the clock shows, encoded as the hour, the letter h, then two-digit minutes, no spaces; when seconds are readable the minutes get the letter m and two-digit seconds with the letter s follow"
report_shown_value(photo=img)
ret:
7h02
